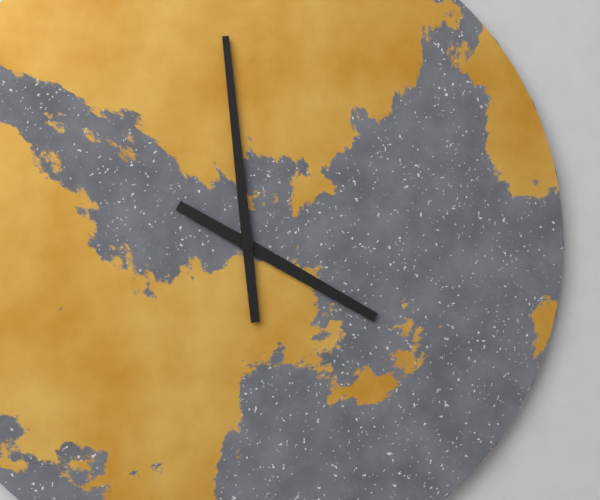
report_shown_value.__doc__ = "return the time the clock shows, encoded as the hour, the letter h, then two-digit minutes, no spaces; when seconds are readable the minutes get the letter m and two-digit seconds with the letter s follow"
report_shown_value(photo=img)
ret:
3h59
